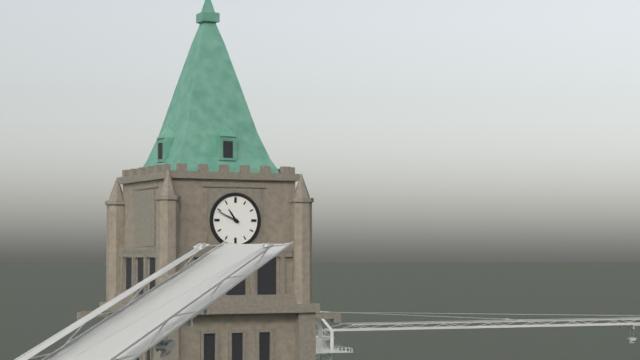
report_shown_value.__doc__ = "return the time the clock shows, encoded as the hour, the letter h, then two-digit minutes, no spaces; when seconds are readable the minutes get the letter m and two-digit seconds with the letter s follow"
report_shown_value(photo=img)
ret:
10h49
